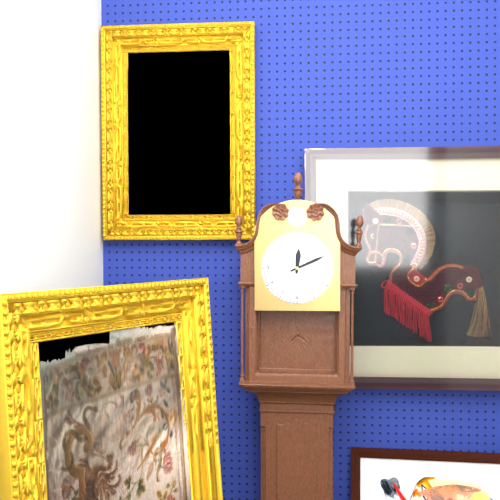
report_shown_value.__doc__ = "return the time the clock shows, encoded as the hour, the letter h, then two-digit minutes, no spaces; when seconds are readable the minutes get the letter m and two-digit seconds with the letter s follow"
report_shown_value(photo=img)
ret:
12h11
